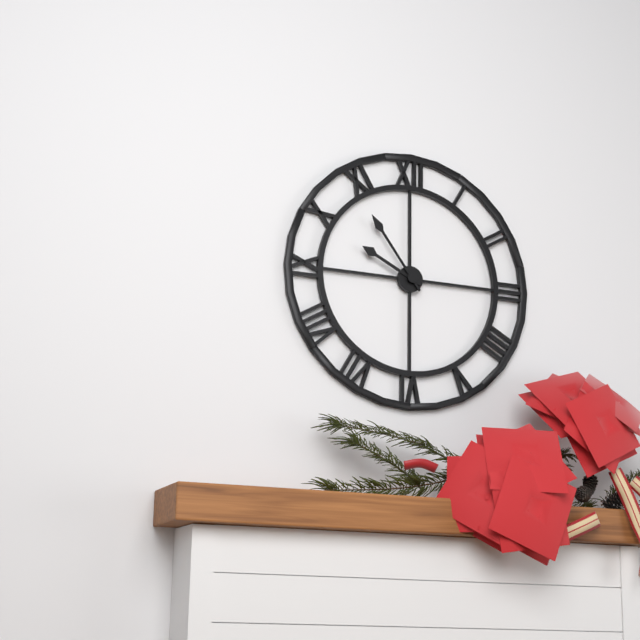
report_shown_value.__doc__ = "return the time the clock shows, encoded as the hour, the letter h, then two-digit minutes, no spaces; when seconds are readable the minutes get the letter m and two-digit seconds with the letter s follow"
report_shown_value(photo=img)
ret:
9h54
